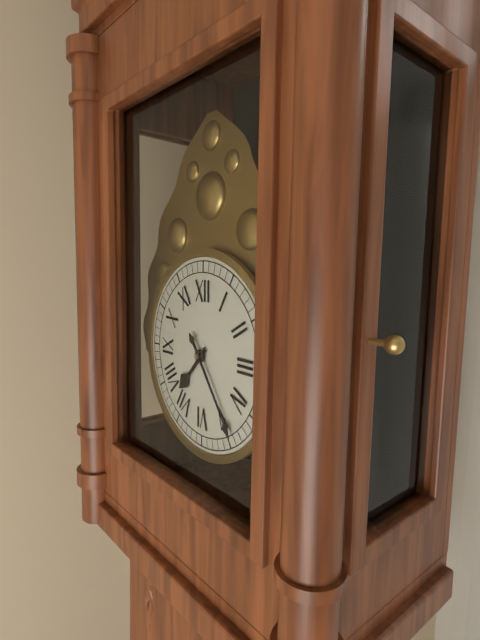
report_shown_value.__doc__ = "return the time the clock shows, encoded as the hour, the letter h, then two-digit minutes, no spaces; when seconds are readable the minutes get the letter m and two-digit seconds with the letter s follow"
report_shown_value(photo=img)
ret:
7h24
